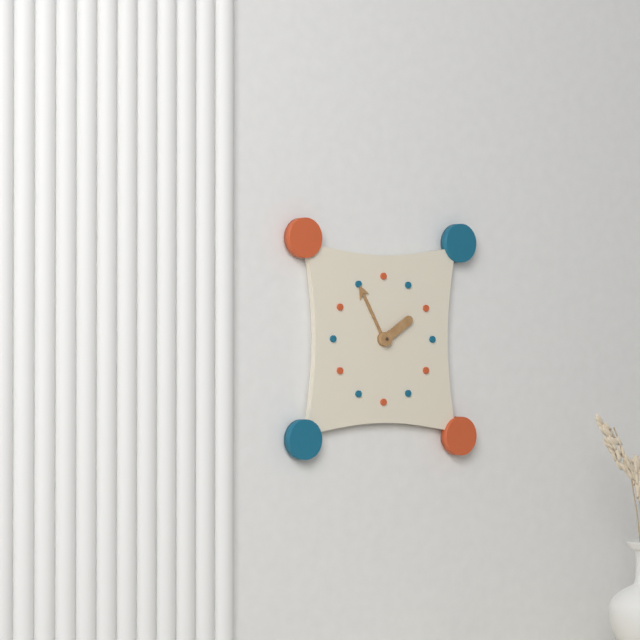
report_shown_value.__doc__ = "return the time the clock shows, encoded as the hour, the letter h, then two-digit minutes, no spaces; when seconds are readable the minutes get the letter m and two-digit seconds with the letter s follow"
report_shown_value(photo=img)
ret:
1h55
